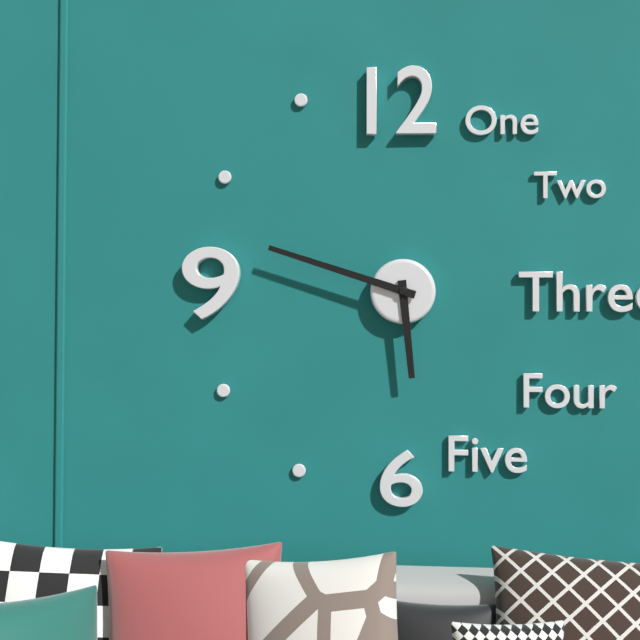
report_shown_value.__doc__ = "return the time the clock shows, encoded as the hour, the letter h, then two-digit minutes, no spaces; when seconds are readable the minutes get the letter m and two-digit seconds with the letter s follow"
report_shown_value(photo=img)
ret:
5h48
